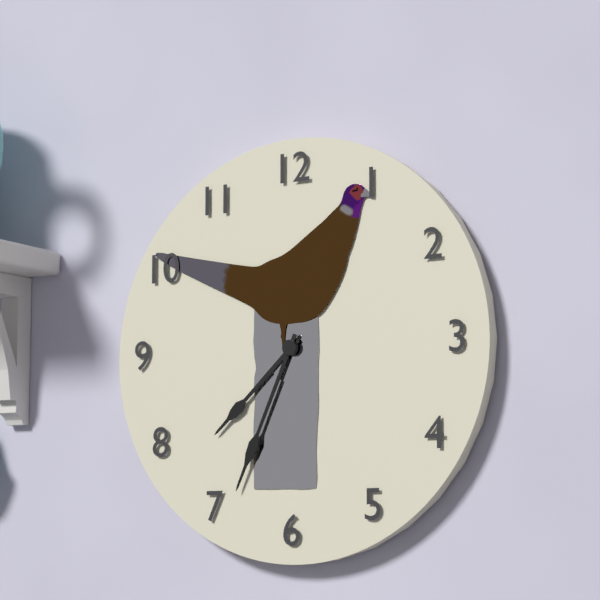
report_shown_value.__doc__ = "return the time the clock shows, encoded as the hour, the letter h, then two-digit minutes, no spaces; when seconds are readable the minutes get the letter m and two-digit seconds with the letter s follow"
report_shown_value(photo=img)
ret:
7h34
